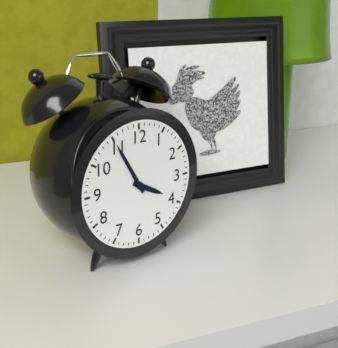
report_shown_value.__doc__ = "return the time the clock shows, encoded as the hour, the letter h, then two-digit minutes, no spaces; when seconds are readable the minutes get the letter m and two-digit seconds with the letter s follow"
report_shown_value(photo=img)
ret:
3h55
